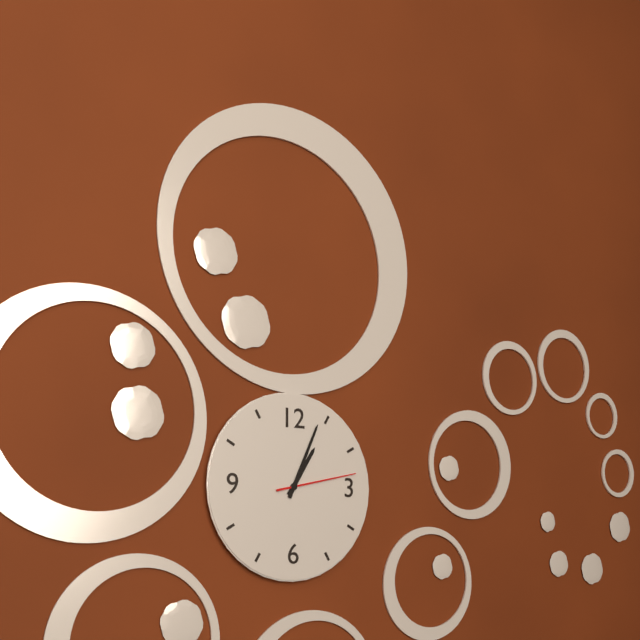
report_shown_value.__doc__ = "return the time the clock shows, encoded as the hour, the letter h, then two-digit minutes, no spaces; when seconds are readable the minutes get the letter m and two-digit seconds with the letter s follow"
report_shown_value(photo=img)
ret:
1h04m13s
